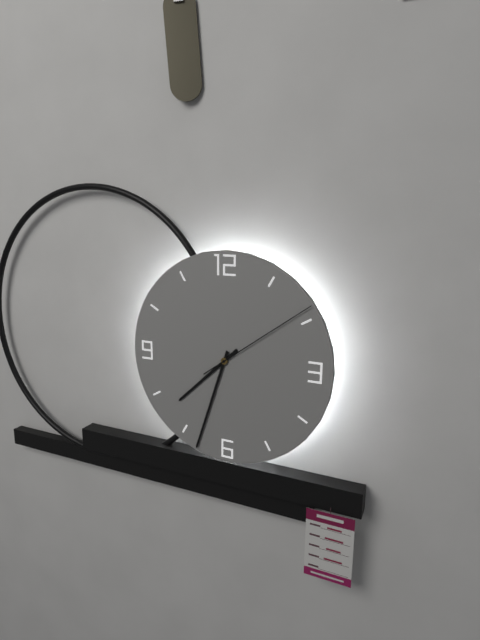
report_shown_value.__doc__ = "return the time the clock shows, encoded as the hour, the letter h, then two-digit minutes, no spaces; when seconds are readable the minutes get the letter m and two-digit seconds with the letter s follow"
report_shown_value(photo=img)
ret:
7h33m09s
